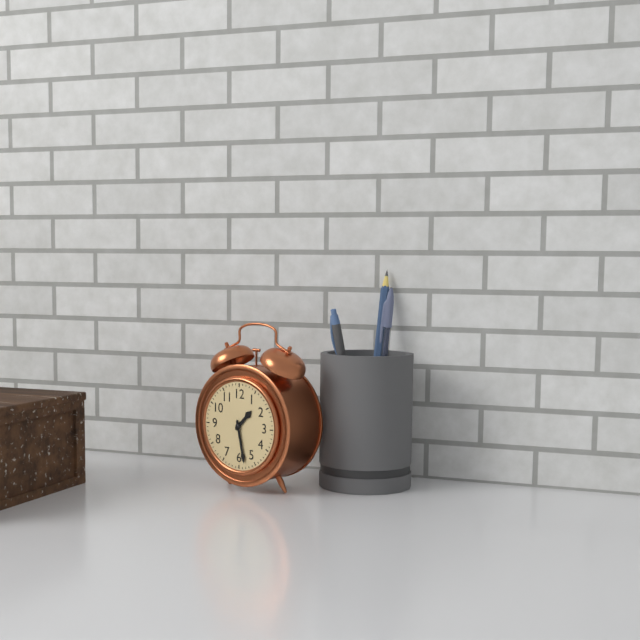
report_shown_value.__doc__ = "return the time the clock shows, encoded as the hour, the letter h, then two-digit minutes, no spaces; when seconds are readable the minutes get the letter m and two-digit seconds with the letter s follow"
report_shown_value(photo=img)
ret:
1h28
